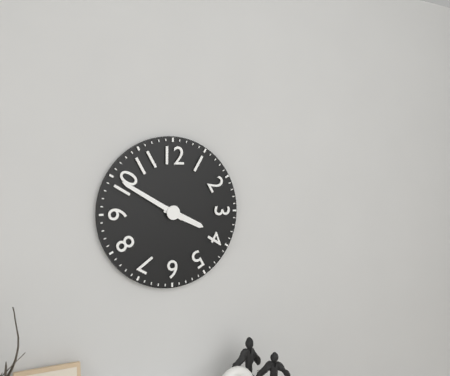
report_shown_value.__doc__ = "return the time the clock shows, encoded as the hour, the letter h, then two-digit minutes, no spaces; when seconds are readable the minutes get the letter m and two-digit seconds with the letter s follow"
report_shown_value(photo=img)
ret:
3h50
